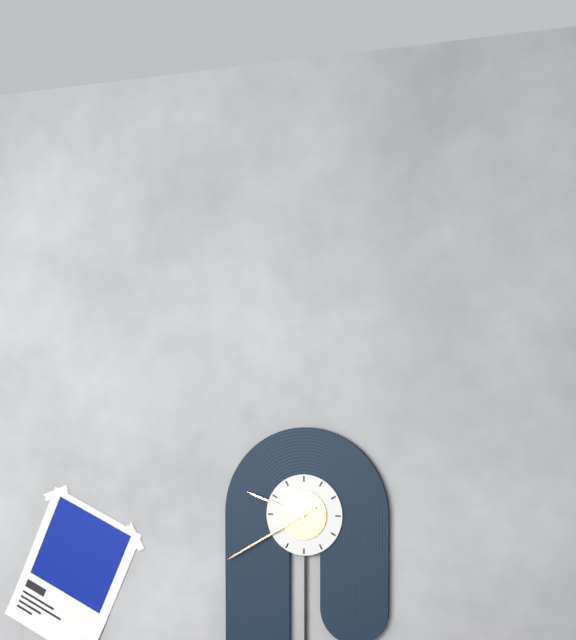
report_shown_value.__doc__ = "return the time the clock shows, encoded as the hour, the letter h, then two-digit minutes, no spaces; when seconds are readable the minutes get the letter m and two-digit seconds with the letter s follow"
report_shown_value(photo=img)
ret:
9h40
